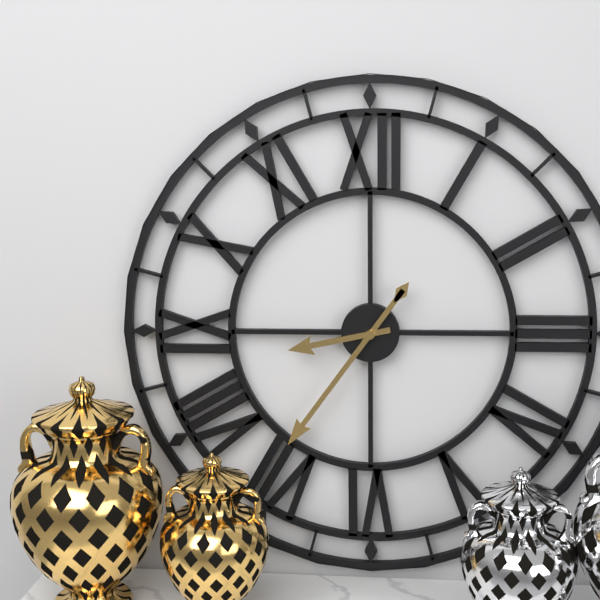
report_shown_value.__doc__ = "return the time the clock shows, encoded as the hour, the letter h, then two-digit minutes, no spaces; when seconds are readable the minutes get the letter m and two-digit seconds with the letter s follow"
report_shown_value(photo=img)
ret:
8h36
